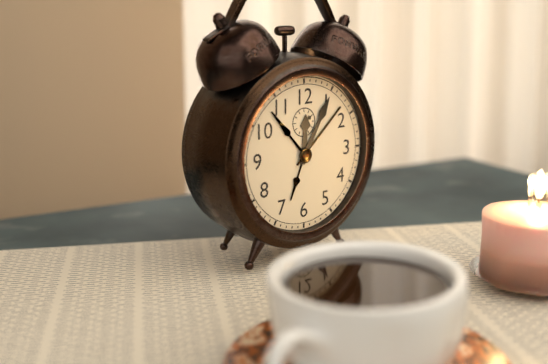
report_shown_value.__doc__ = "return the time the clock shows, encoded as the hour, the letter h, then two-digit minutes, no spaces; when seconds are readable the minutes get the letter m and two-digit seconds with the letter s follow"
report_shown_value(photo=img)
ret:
12h05
